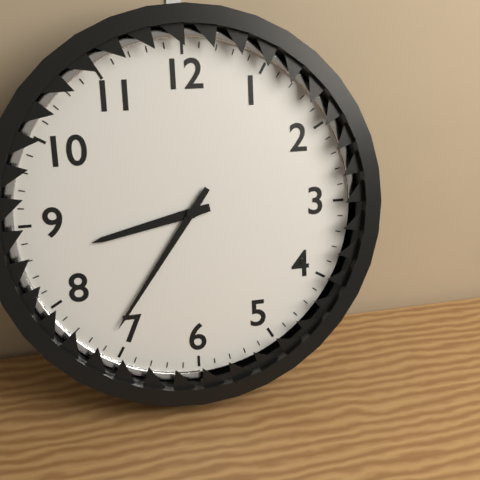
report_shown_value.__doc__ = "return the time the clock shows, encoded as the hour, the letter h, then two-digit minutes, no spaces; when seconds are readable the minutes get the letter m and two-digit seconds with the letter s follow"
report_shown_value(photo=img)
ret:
8h36
